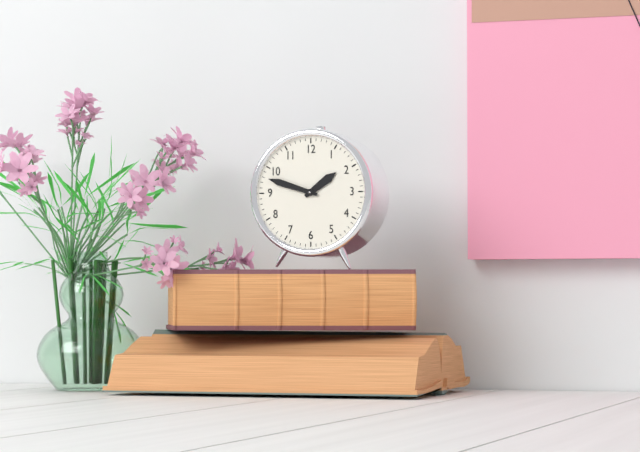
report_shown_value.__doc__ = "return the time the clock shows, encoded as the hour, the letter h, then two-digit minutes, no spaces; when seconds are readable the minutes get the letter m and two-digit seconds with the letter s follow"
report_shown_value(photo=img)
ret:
1h48
